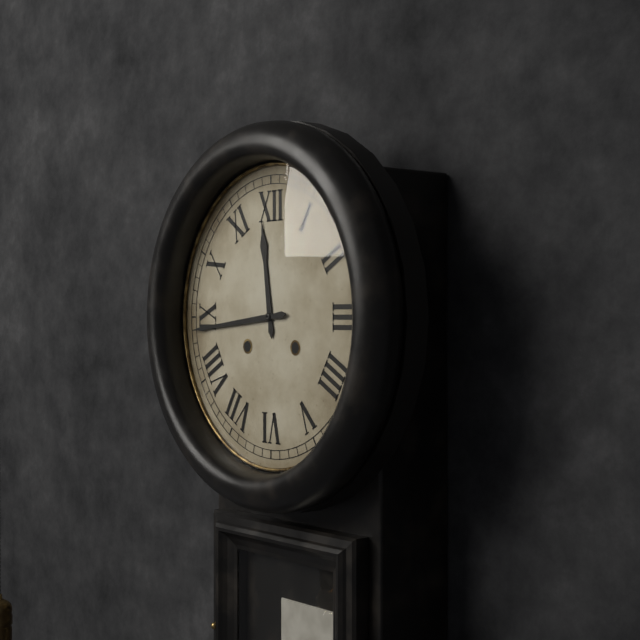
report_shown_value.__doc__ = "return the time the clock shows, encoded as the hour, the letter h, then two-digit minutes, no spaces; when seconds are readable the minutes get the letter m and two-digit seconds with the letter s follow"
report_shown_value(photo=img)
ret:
11h44
